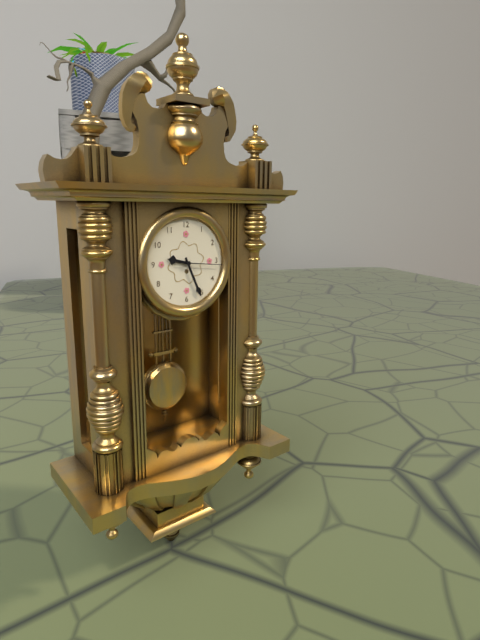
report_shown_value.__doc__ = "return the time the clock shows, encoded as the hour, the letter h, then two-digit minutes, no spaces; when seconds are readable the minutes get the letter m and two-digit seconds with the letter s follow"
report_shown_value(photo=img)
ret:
9h26
